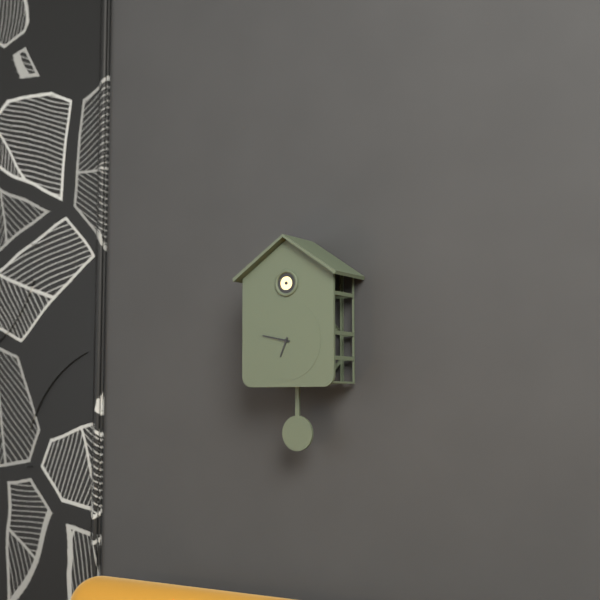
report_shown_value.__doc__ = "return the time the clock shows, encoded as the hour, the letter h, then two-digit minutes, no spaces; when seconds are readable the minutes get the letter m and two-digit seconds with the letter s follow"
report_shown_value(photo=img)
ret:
6h47
